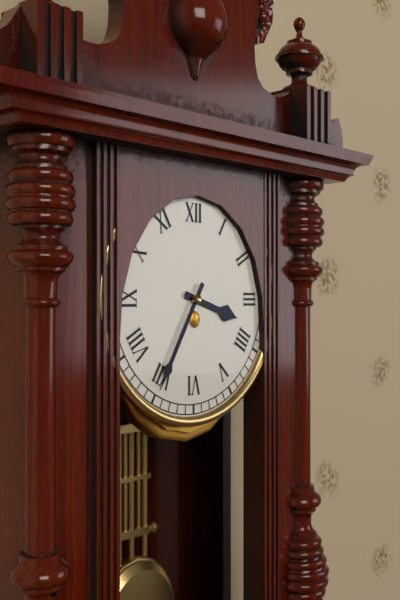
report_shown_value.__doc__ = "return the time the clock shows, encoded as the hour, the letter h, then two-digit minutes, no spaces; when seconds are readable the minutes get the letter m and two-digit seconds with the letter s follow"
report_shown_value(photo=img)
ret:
3h35
